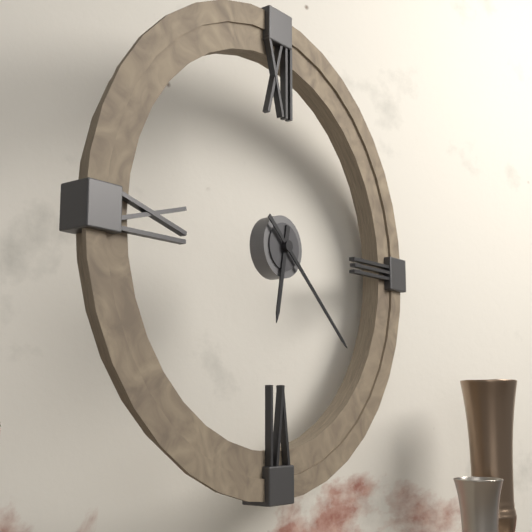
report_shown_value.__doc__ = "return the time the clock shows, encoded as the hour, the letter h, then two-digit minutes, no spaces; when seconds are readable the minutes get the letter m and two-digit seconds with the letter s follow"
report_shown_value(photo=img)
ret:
6h22
